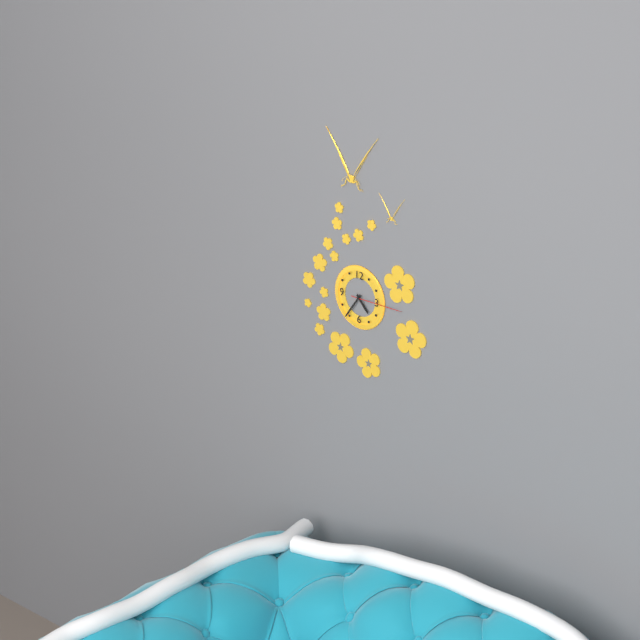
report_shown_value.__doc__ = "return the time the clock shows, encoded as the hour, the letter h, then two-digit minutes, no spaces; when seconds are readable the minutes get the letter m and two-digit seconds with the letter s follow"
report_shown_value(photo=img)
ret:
4h36m15s
